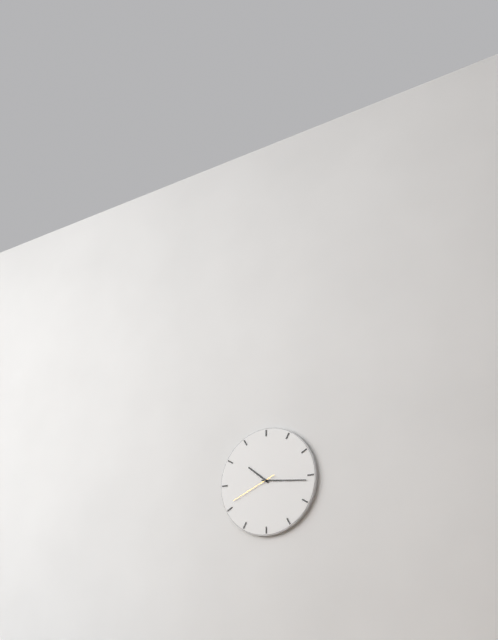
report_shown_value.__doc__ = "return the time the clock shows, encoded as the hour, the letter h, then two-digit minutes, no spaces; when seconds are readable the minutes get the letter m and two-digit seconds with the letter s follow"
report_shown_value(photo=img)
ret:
10h16
